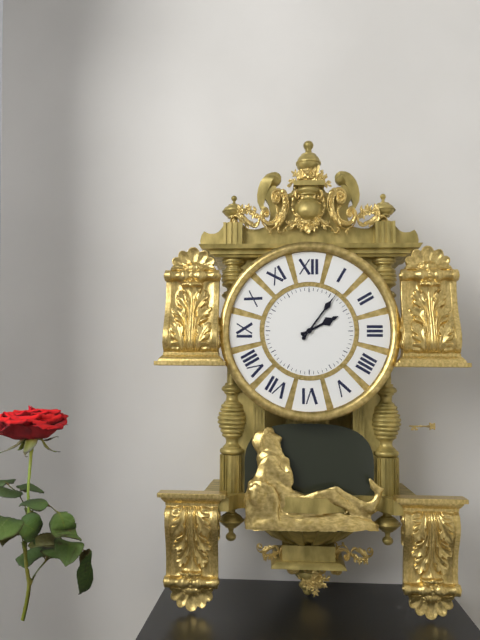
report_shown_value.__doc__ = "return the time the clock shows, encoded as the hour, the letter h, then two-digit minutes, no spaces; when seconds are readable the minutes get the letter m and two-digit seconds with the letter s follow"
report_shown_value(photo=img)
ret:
2h06
